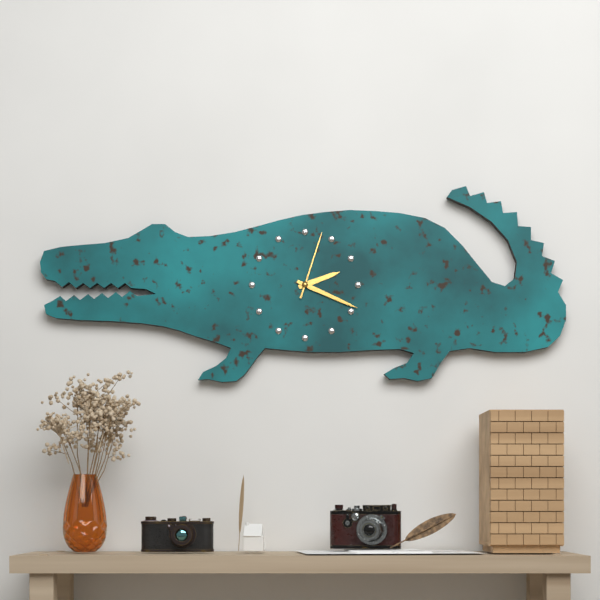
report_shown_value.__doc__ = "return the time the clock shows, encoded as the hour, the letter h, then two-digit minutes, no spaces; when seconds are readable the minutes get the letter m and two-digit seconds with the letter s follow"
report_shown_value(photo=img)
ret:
2h19m03s
